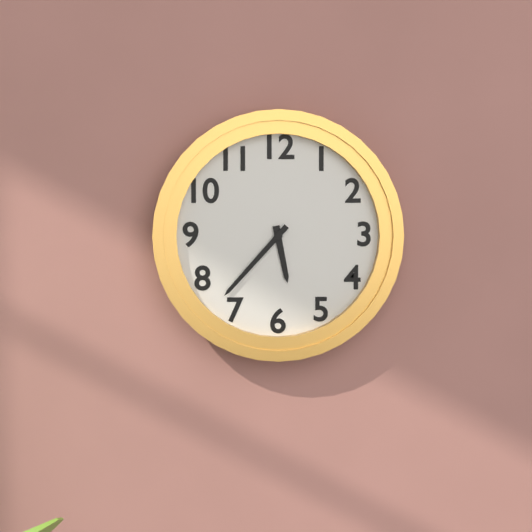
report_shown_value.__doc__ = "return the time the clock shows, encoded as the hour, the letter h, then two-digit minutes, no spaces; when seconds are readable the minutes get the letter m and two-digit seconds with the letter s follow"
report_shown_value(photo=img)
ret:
5h37
